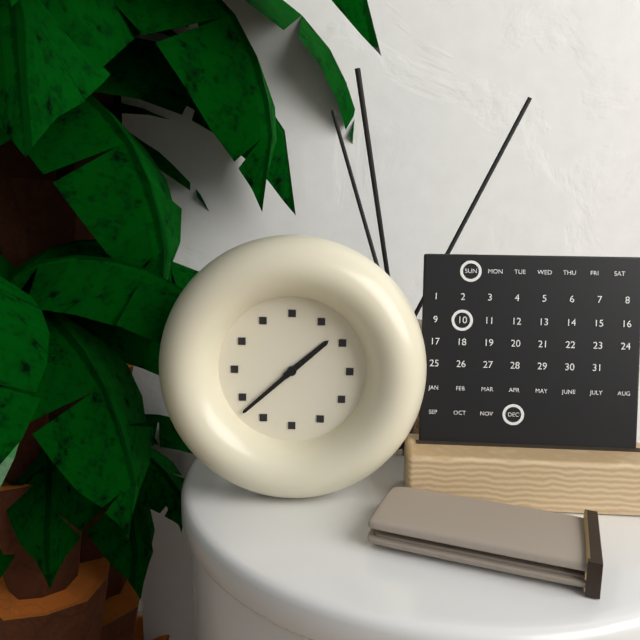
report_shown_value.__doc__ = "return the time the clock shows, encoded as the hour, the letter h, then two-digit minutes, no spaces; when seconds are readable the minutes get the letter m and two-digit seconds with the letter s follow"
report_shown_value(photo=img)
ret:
1h38
